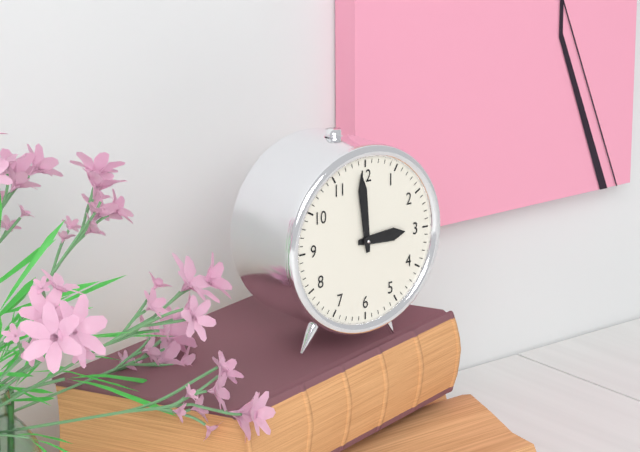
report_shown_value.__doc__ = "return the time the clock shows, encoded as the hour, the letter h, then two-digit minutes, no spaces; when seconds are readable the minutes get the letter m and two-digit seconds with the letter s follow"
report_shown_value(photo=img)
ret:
2h59
